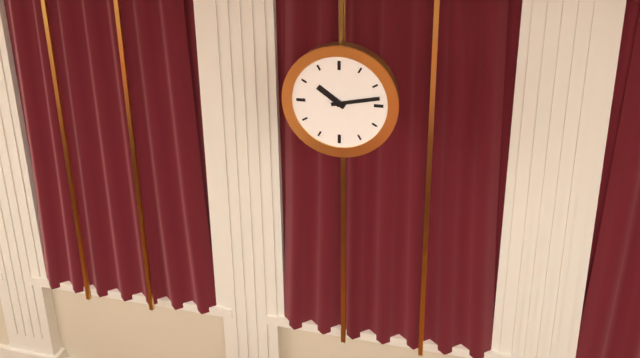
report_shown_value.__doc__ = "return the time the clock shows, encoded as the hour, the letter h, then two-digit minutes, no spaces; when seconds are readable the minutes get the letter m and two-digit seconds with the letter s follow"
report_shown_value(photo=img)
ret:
10h13
